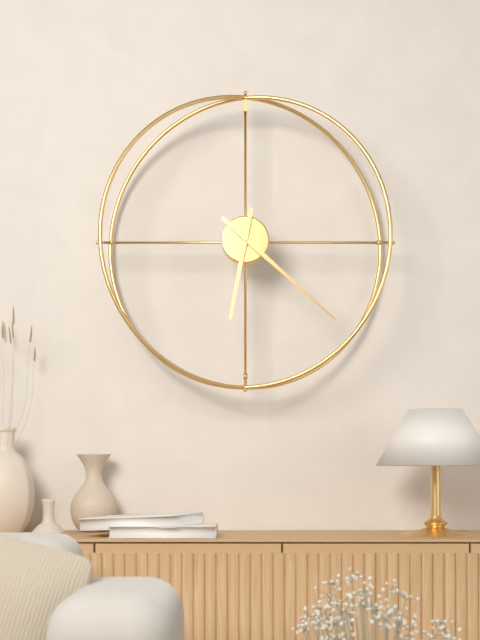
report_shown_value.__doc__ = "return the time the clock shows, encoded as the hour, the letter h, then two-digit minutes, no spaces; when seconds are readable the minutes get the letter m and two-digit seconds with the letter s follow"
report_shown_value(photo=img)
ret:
6h22
